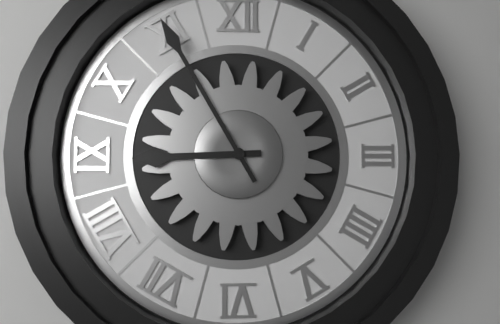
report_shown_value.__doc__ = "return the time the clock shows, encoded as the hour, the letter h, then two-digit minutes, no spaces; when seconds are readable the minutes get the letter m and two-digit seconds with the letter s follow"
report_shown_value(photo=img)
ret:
8h55
